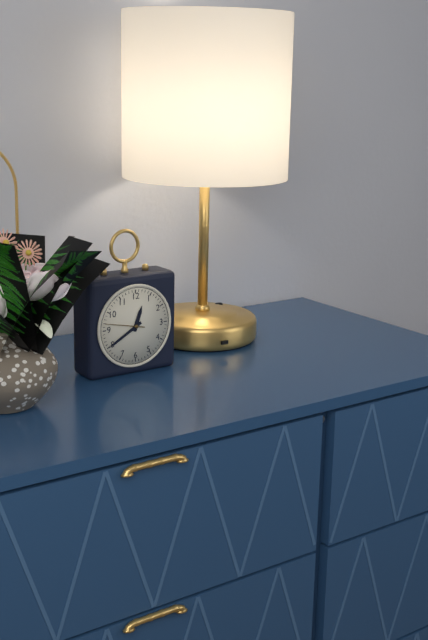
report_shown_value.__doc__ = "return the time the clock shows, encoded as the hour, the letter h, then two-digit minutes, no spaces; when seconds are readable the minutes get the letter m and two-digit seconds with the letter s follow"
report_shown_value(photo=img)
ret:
12h40
